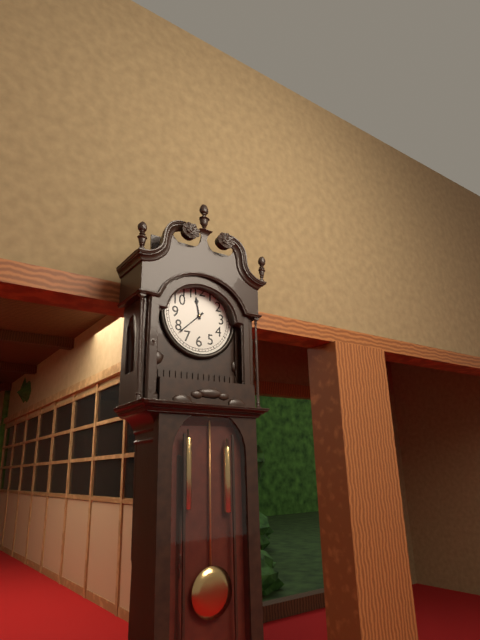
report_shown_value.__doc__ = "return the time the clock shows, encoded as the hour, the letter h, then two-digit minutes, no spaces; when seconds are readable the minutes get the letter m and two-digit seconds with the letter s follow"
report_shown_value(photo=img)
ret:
11h38
